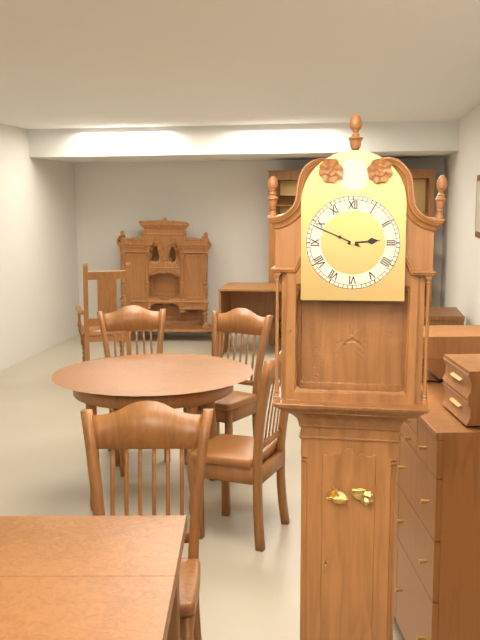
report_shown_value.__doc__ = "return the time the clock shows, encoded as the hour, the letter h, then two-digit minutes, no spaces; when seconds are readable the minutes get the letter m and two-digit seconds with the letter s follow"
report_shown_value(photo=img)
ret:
2h49
